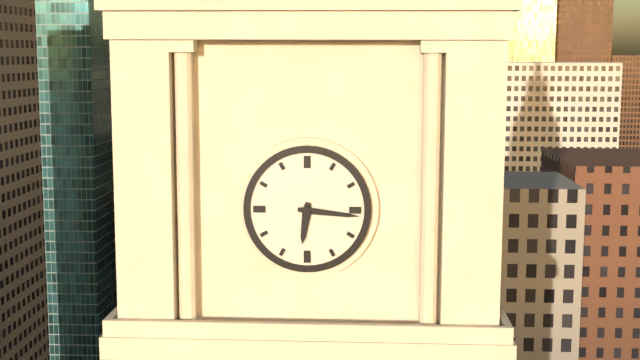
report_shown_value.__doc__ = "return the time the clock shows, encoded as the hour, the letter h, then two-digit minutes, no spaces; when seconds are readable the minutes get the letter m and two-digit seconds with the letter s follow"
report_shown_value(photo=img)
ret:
6h16
